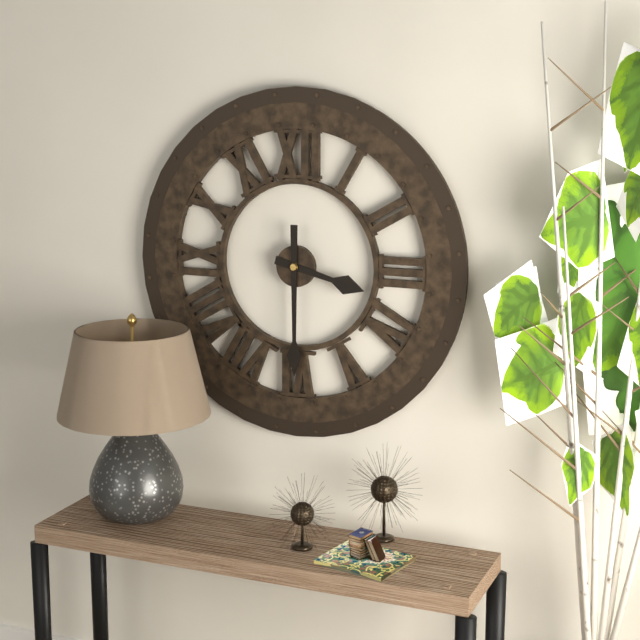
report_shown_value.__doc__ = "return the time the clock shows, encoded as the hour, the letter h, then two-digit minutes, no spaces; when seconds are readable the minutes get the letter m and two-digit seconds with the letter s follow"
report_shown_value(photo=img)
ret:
3h30
